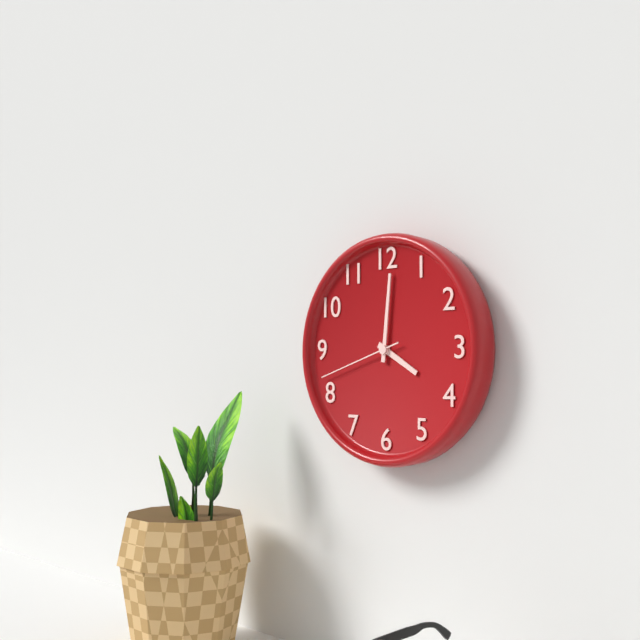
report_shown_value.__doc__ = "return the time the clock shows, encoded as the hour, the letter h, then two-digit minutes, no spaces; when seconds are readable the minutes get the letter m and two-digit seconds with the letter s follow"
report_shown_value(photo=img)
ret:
4h01m42s
